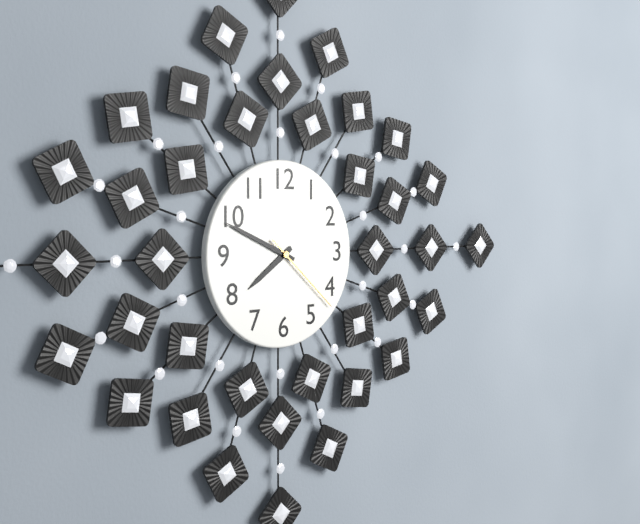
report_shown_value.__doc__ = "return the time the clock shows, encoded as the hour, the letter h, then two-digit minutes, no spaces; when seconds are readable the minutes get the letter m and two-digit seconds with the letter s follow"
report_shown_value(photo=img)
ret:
7h49m22s
